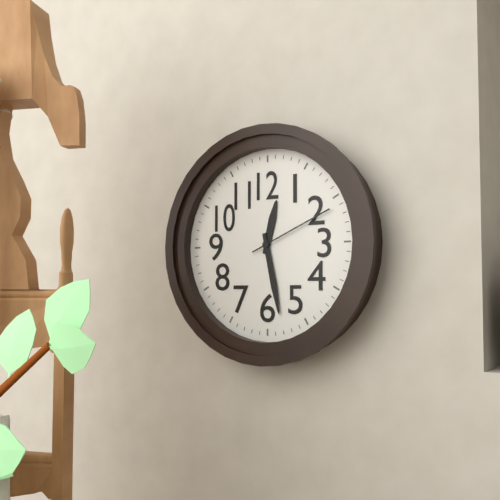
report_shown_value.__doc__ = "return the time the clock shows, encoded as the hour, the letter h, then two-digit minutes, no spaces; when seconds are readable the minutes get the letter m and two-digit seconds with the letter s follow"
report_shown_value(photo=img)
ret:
12h28m11s
